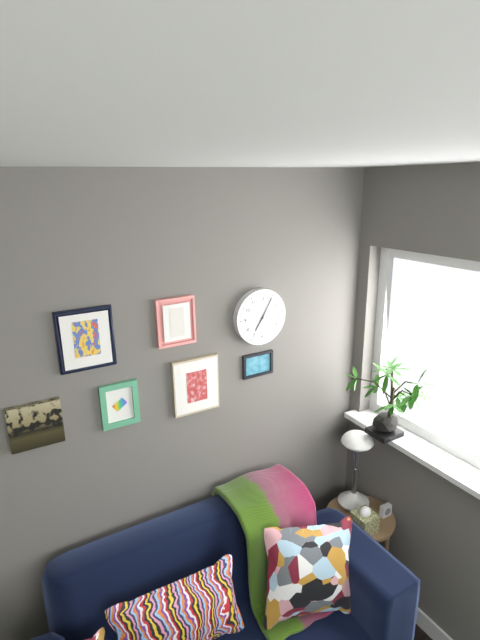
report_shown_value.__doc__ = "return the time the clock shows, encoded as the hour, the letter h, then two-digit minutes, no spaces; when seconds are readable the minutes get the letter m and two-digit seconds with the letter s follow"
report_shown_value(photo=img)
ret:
7h05
